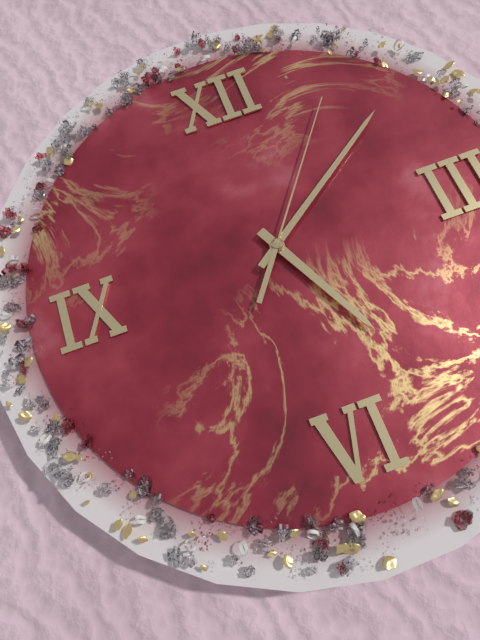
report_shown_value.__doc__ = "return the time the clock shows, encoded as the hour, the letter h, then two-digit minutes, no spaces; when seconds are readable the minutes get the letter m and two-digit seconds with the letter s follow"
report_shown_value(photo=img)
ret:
5h09m06s
